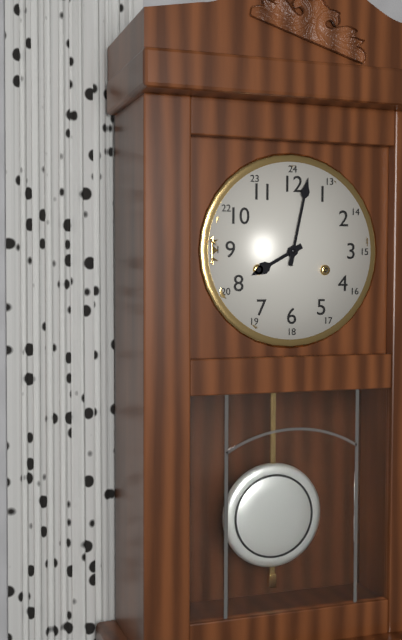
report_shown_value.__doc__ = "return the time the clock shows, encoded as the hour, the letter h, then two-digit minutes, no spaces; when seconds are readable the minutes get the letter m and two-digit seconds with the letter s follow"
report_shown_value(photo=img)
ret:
8h02
